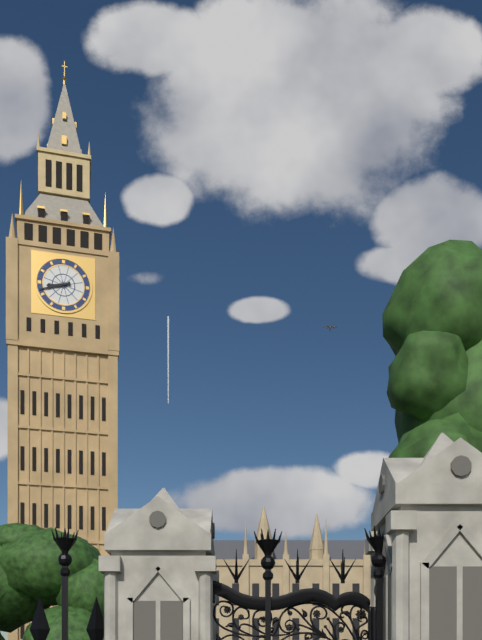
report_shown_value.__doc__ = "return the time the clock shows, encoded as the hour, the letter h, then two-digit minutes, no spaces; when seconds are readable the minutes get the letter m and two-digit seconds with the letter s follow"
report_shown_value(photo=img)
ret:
8h42
